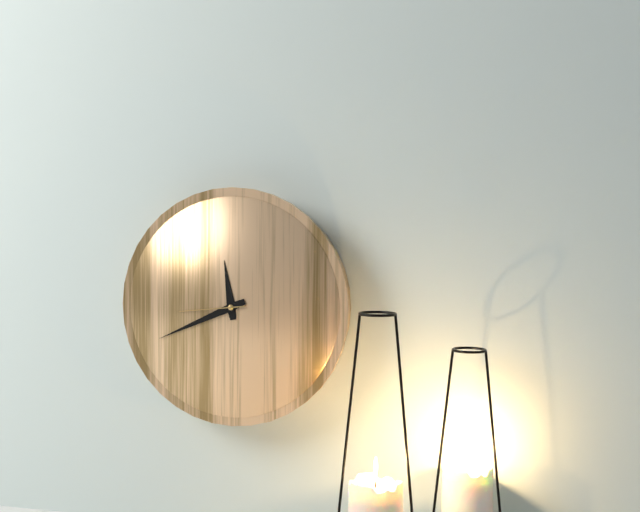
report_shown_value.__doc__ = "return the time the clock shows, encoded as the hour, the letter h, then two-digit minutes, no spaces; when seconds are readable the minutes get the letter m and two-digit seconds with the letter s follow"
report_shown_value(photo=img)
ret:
11h41m44s
